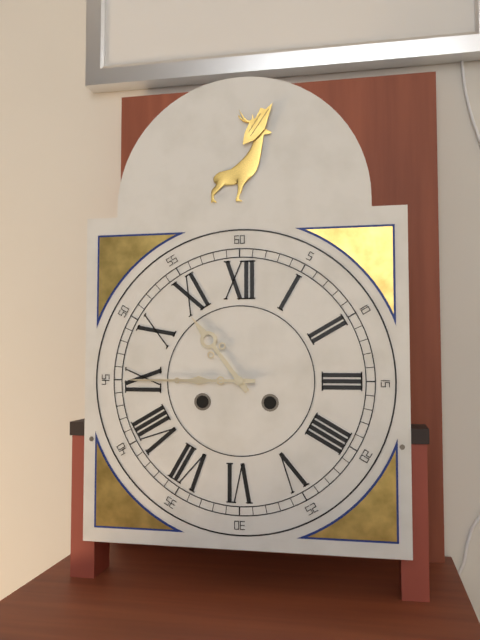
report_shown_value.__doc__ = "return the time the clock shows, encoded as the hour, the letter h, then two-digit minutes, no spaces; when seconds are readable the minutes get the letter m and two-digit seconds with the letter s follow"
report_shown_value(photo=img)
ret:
10h45
